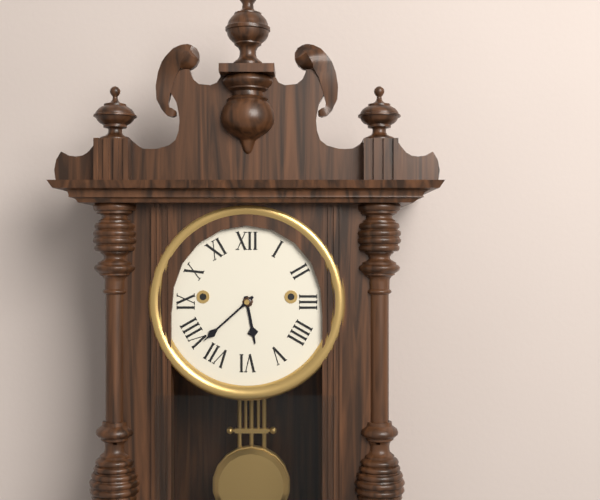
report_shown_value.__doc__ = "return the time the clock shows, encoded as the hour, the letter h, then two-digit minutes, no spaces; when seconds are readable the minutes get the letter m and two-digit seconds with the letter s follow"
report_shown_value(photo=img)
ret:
5h38
